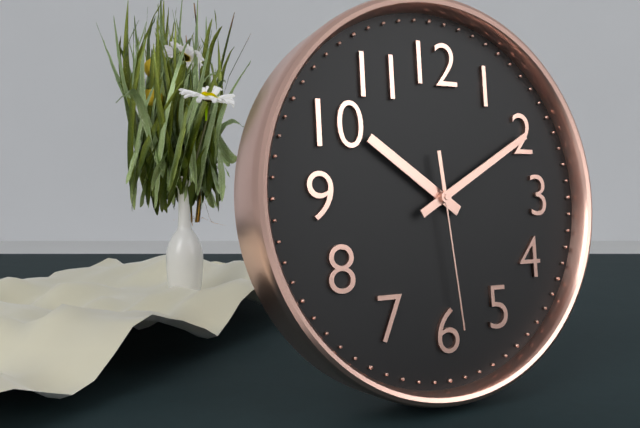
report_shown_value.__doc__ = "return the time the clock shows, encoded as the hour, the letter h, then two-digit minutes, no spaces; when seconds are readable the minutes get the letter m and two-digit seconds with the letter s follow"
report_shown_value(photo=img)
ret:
10h10m29s
